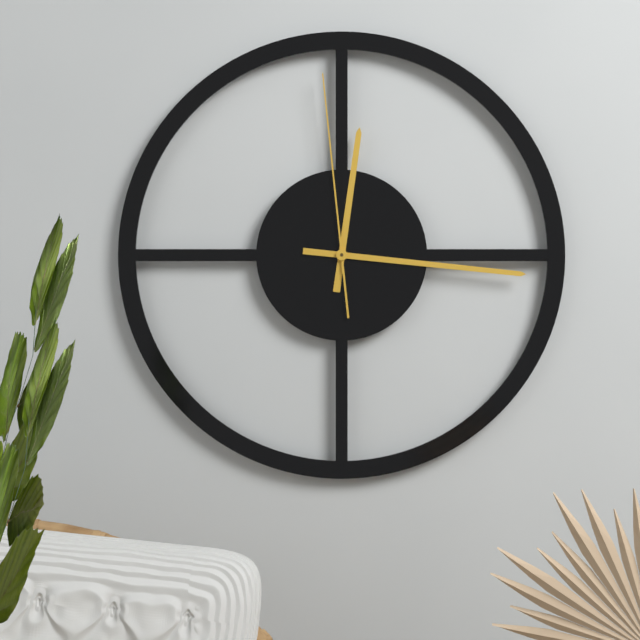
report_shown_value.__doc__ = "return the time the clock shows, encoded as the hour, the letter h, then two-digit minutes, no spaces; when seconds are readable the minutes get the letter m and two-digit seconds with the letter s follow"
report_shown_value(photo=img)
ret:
12h16m59s
